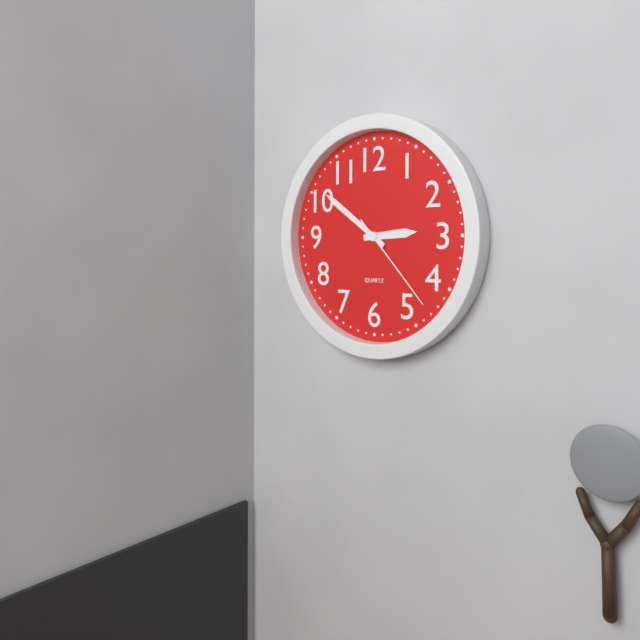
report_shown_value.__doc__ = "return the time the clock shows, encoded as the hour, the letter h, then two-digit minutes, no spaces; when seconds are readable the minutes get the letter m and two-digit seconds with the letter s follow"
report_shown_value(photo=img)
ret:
2h51m23s
